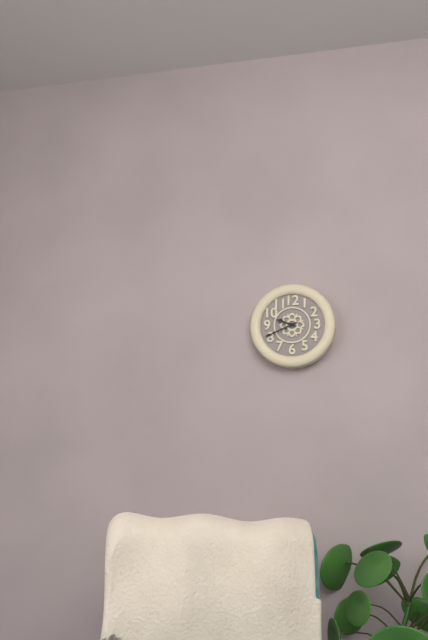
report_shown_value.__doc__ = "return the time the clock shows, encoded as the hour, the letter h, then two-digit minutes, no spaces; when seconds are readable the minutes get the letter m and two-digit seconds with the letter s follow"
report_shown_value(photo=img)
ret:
9h41
